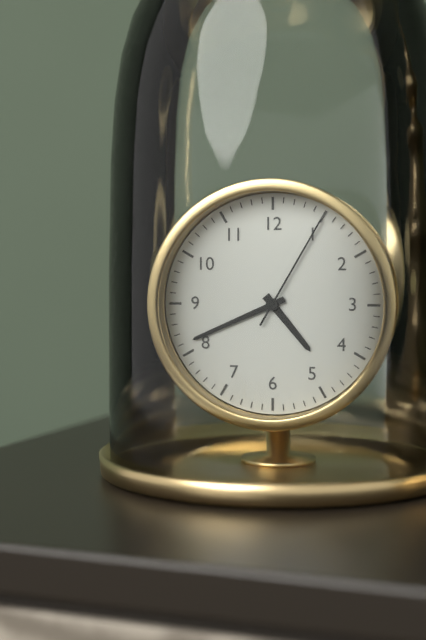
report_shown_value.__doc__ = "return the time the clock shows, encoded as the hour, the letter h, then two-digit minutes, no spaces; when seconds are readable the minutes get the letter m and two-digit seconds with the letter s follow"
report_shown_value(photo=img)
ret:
4h41m05s
